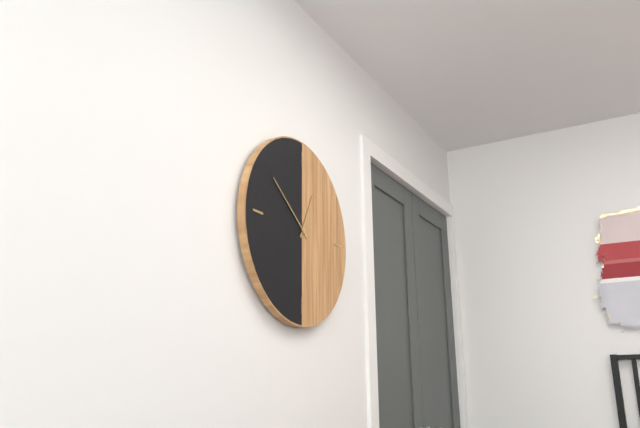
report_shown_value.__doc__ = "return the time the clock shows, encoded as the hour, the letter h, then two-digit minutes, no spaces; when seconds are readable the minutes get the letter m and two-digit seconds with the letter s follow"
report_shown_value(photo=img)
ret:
12h51
